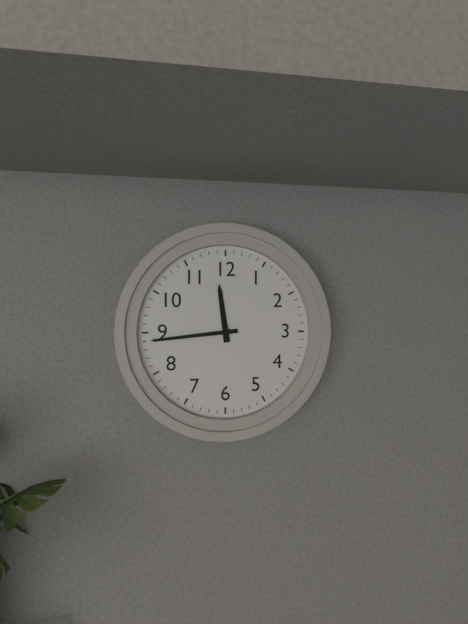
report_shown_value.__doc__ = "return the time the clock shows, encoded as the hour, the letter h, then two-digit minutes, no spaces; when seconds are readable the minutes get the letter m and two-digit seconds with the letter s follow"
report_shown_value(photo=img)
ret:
11h44
